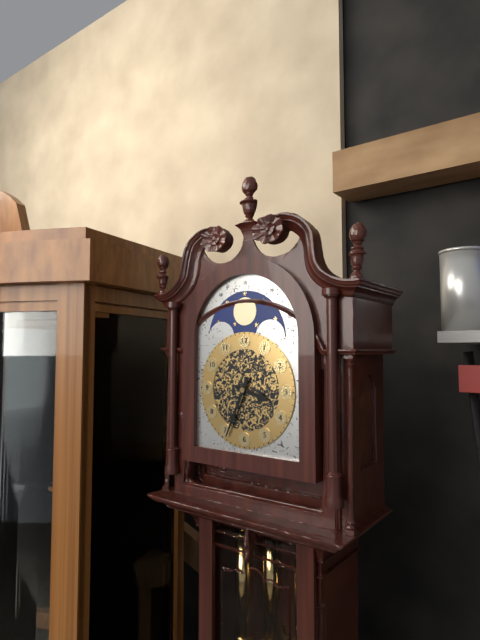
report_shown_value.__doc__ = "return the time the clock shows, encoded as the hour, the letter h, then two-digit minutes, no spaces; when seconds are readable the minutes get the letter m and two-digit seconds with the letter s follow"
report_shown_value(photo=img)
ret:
3h34
